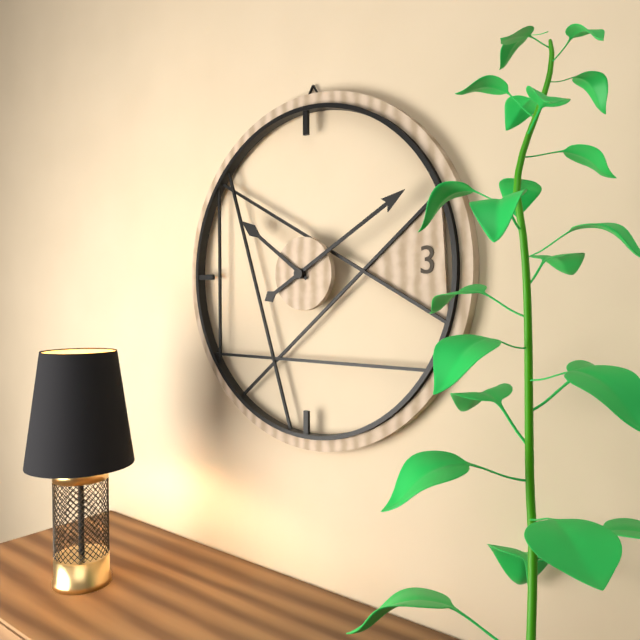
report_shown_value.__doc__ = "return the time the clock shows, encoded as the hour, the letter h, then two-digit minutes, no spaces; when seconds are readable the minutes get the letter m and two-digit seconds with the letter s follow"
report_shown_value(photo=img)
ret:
10h10
